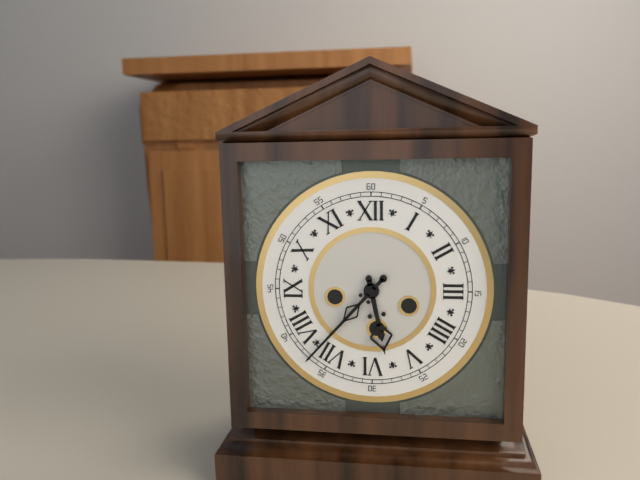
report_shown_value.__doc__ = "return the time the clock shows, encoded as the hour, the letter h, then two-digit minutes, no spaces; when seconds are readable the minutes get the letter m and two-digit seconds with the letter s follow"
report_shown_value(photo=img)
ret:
5h37
